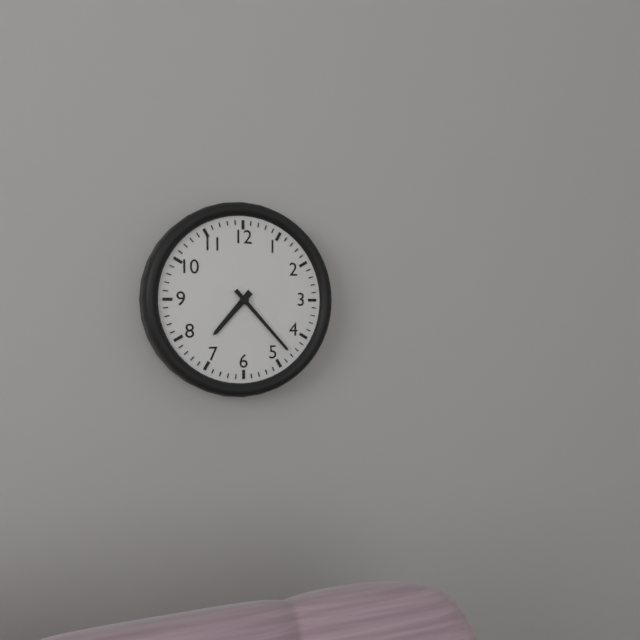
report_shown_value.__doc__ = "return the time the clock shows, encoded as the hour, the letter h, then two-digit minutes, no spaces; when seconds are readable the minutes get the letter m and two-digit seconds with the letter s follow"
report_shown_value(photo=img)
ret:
7h23
